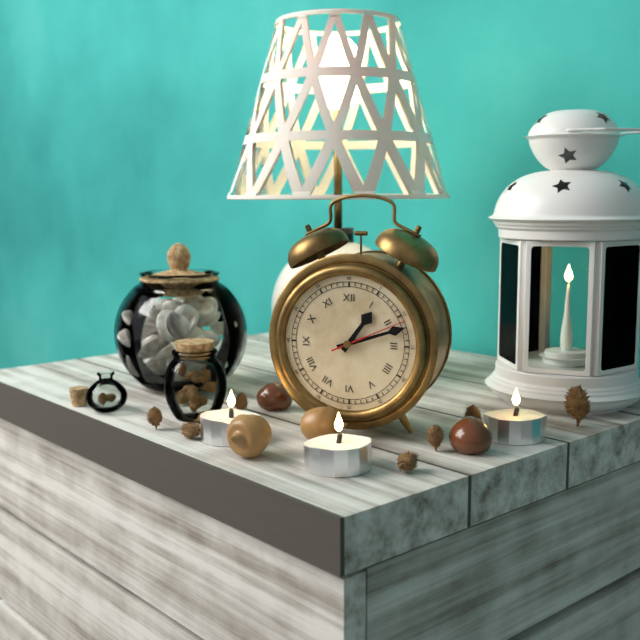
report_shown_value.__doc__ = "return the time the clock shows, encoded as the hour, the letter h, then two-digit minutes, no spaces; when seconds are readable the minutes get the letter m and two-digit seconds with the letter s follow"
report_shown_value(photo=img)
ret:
1h12m11s
